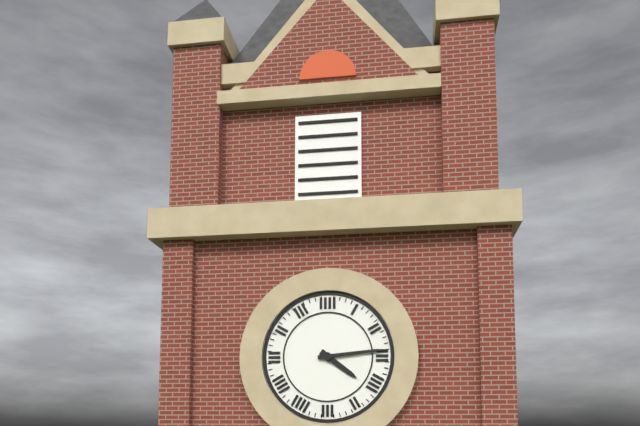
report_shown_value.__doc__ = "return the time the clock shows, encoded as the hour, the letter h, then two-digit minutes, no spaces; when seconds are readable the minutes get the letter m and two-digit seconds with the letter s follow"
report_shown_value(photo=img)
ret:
4h14
